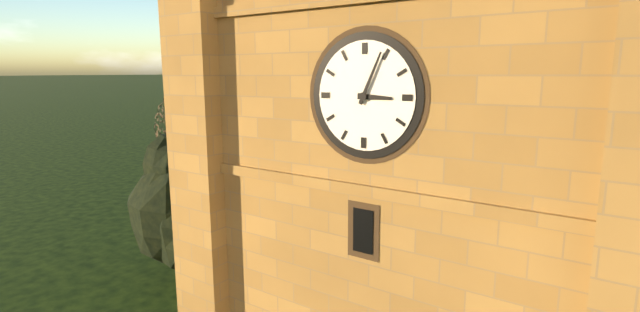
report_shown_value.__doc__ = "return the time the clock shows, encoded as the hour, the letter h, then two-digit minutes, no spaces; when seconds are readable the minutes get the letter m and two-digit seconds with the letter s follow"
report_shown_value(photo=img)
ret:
3h04
